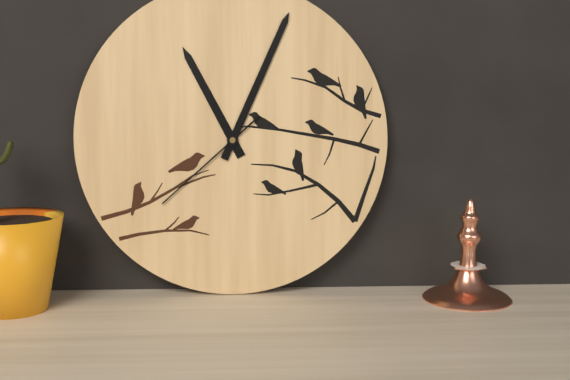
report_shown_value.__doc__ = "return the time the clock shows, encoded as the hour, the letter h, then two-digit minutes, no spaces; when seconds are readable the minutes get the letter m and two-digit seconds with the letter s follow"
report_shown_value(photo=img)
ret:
11h04m38s
